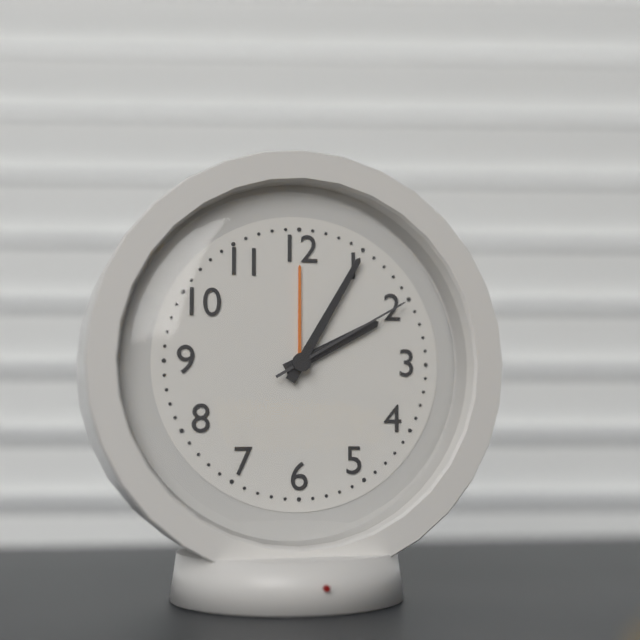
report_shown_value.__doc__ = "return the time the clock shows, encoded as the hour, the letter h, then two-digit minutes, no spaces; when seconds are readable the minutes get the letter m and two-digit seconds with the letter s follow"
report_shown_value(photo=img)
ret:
2h05m10s
